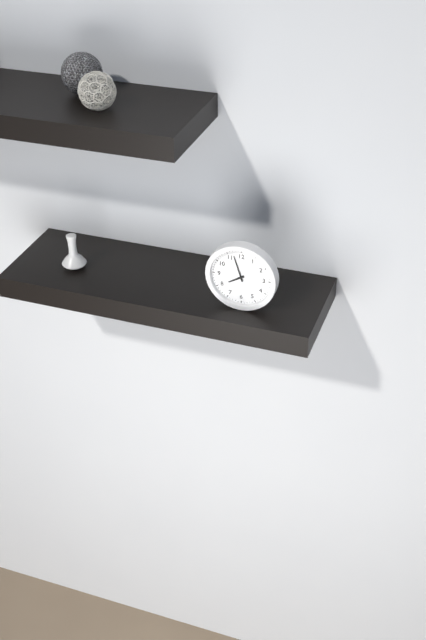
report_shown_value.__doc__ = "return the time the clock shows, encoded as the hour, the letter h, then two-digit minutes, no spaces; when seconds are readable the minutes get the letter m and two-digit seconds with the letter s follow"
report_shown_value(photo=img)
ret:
7h57
